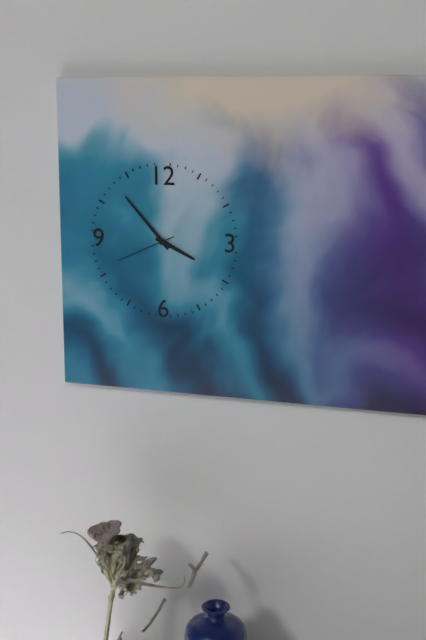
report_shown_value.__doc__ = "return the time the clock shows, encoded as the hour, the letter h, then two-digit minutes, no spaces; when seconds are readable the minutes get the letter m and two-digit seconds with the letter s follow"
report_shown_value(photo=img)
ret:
3h53m41s
